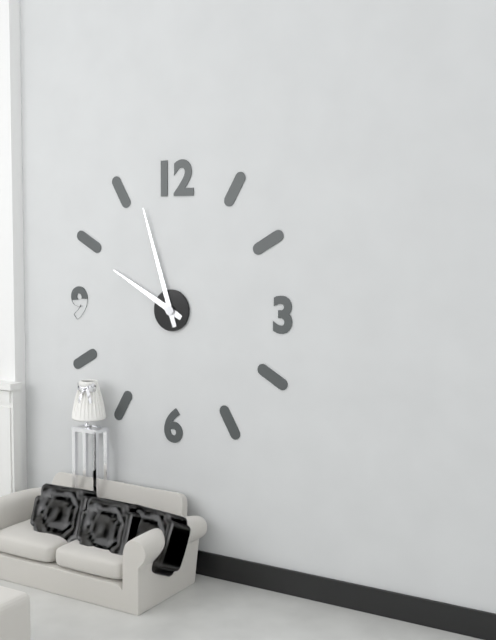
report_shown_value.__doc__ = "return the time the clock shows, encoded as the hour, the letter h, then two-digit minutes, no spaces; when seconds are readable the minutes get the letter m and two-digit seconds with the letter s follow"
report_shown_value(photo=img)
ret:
9h57
